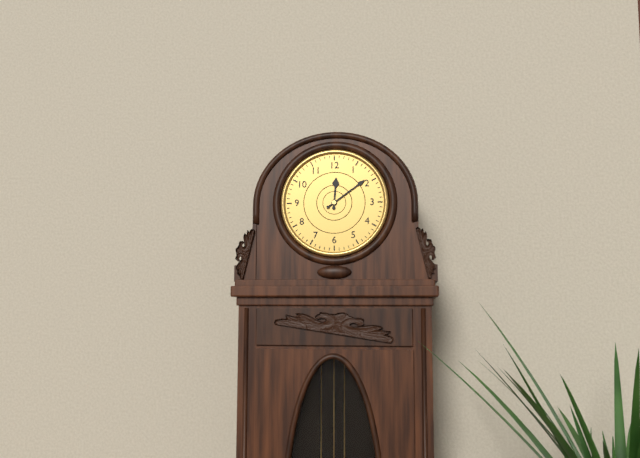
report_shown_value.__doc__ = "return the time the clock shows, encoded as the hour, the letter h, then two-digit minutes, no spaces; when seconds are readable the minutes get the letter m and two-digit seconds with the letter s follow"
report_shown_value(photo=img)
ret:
12h09
